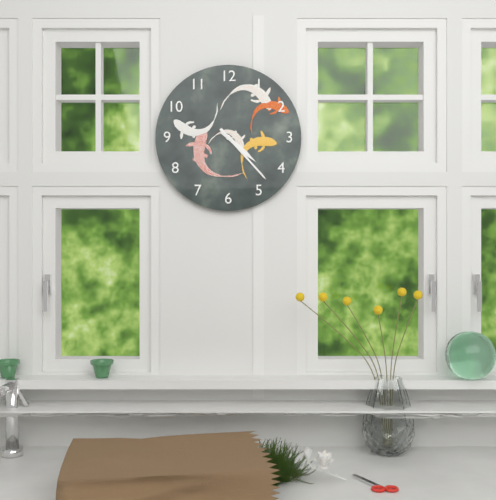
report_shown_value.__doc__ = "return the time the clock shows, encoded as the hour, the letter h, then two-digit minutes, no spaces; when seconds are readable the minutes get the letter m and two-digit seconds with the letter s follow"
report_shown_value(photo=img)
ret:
4h23
